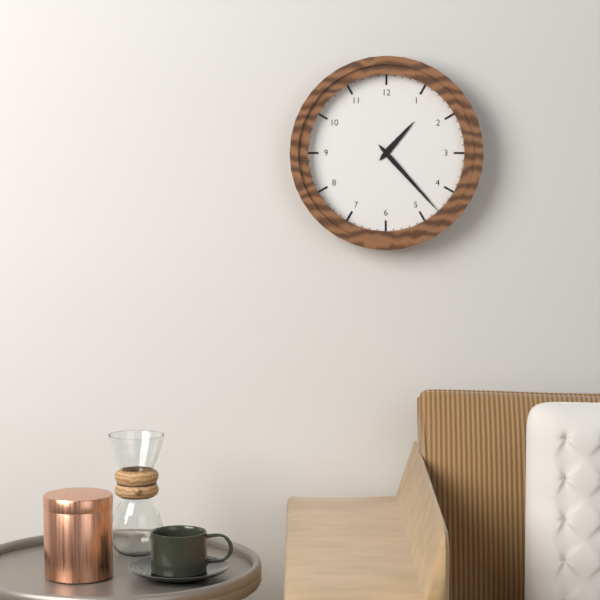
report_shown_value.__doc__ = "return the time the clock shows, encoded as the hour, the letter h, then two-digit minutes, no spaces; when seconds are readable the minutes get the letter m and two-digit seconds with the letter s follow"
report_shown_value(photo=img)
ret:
1h23
